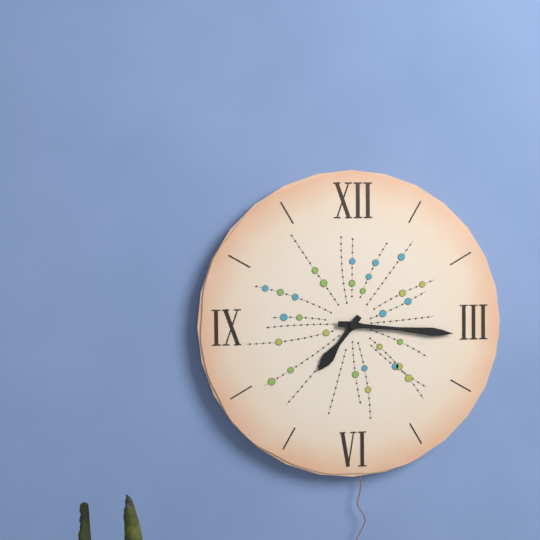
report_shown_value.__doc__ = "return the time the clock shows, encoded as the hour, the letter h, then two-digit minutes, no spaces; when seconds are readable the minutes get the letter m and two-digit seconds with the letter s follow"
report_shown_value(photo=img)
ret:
7h16
